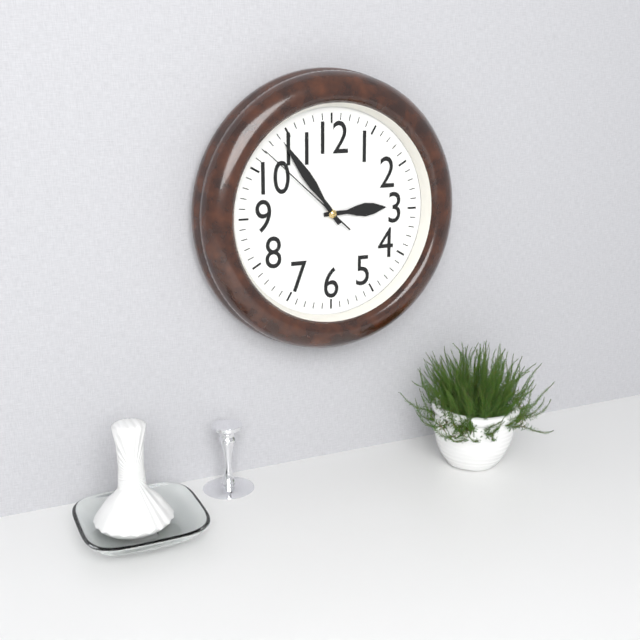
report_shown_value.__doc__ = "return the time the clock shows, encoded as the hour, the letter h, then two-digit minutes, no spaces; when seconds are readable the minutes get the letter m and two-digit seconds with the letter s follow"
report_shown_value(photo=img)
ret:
2h54m52s
